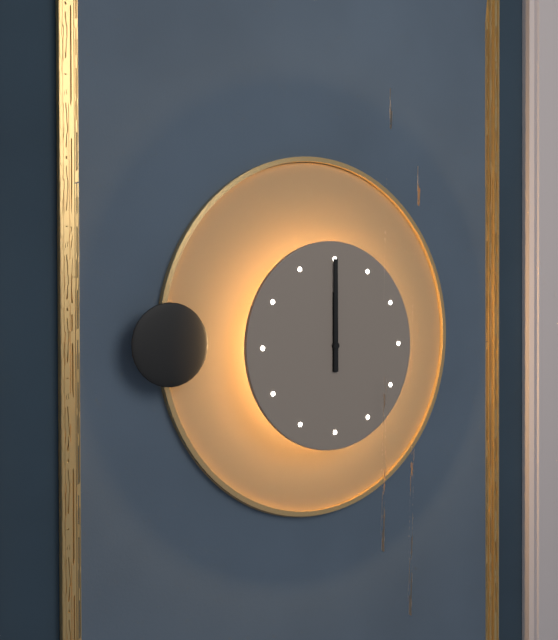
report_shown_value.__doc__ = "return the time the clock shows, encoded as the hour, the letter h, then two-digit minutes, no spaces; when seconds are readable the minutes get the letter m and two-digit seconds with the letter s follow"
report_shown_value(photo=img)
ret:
12h00
